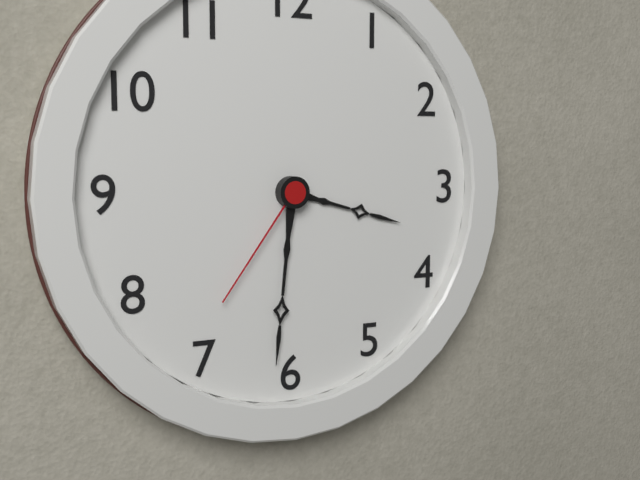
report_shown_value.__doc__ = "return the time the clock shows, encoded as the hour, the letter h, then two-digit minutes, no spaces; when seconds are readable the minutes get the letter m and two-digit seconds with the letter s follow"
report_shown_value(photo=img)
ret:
3h31m36s
